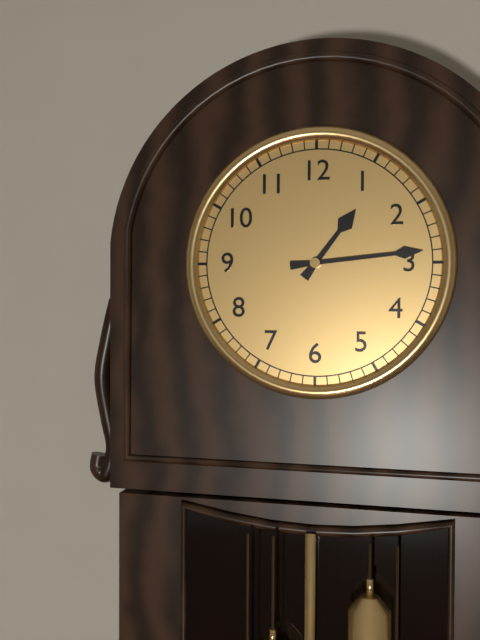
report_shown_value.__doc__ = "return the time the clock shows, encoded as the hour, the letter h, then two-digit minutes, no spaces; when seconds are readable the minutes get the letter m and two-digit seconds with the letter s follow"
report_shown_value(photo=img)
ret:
1h14
